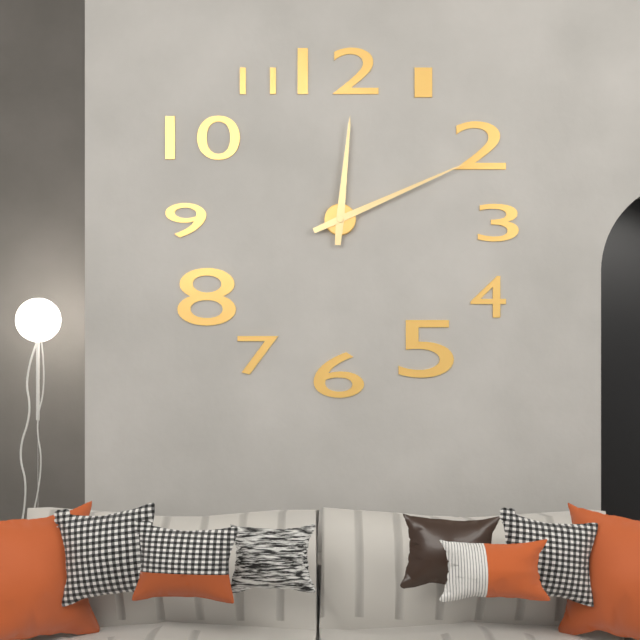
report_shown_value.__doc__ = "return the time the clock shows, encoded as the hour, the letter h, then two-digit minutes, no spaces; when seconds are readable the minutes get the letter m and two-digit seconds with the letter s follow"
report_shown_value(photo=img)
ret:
12h11
